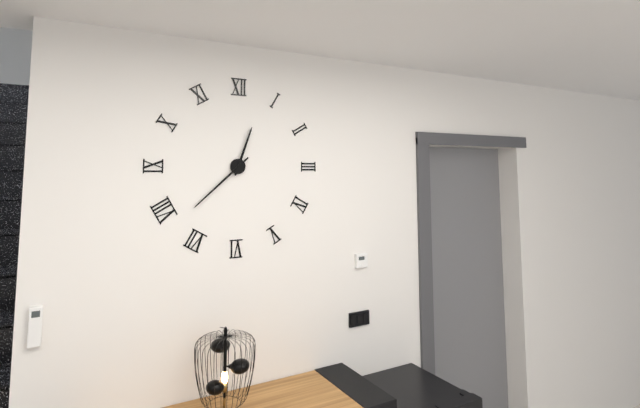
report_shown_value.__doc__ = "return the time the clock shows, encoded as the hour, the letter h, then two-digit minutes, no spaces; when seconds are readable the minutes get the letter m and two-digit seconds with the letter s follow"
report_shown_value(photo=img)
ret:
12h38
